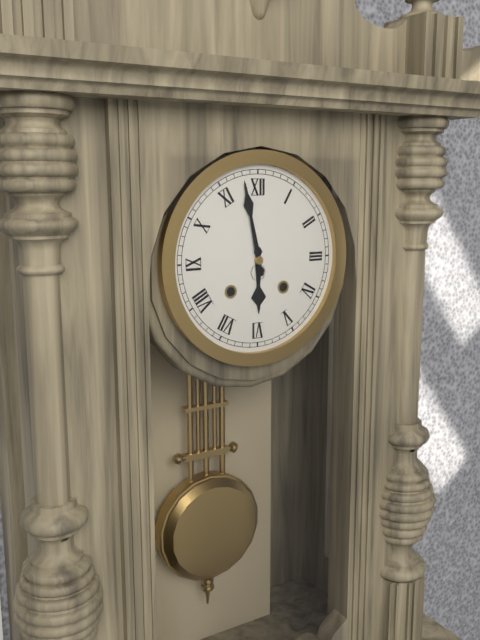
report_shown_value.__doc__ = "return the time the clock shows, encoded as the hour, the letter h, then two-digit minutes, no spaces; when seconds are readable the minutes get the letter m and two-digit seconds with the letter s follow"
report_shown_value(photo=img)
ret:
5h58
